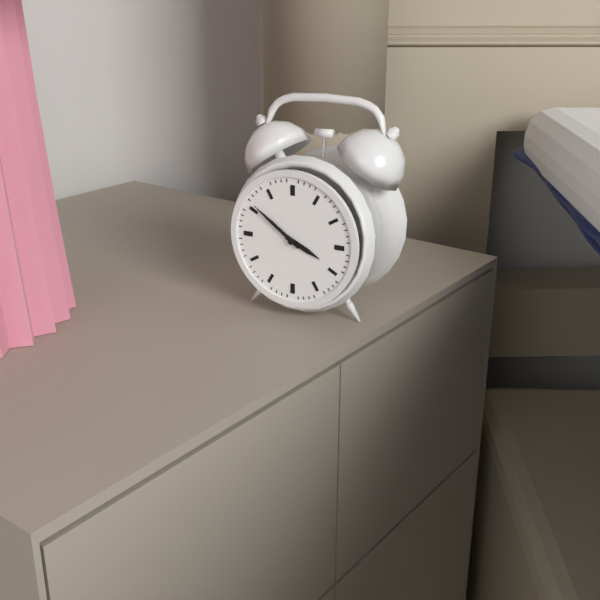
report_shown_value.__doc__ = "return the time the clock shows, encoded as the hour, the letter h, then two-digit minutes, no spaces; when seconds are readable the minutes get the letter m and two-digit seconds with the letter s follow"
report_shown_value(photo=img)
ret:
3h51
